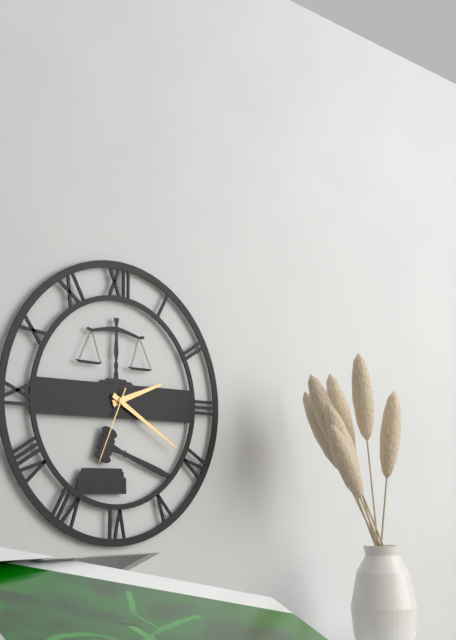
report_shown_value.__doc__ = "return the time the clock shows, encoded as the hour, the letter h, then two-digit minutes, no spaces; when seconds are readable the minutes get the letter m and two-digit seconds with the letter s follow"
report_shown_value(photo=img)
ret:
2h20m34s
